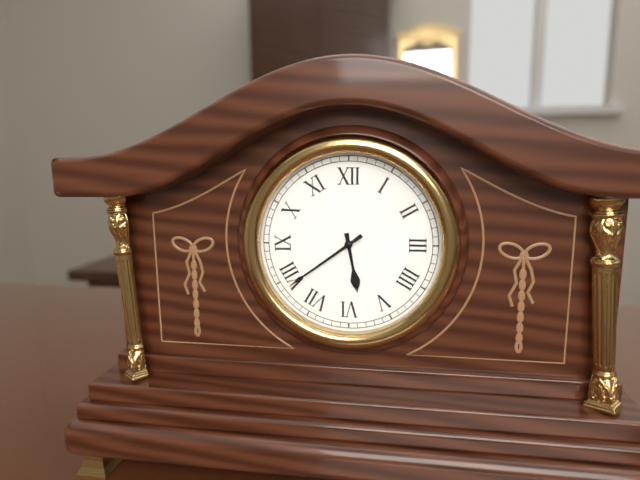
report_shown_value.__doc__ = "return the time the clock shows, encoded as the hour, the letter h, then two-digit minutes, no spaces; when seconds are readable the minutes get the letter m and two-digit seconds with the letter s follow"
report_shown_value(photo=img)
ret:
5h39
